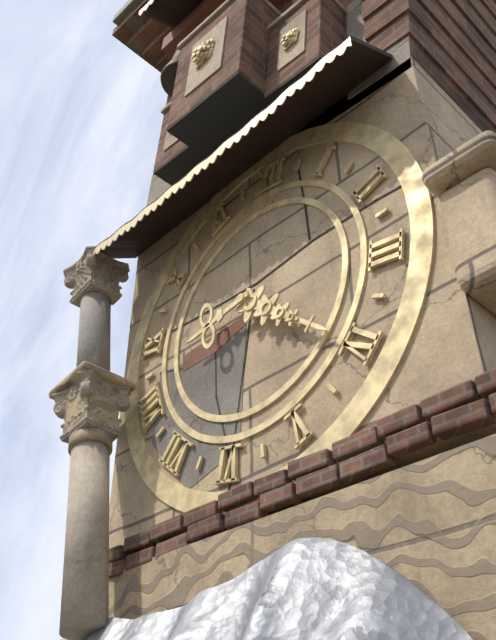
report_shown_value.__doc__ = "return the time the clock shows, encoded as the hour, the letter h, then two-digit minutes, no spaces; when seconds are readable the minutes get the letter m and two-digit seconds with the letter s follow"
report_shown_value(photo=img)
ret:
8h20
